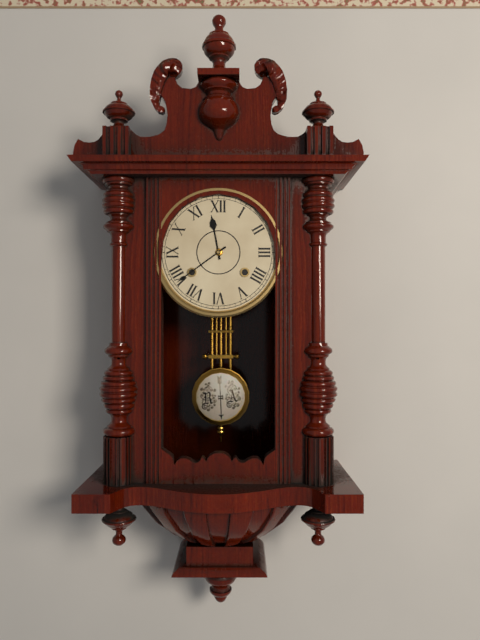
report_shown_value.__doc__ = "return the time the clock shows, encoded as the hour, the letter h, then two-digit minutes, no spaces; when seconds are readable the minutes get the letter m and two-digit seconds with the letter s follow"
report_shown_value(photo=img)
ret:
11h39
